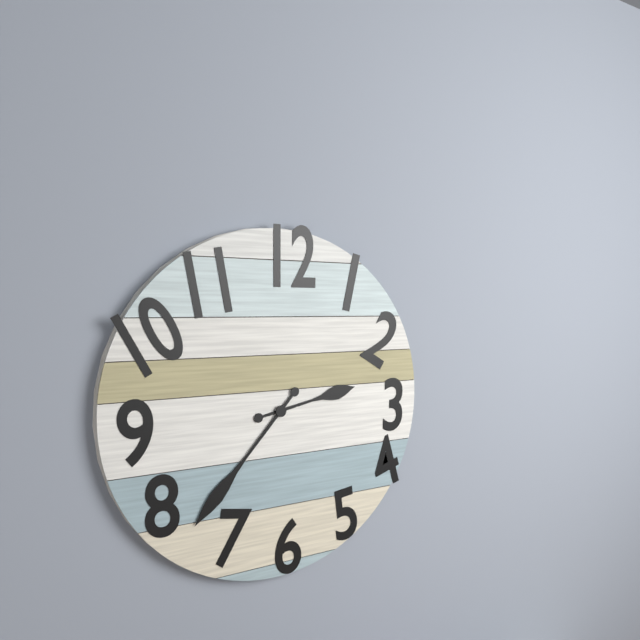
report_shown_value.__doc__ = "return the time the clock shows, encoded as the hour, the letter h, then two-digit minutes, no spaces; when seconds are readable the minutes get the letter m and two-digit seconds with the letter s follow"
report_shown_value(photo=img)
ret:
2h37
